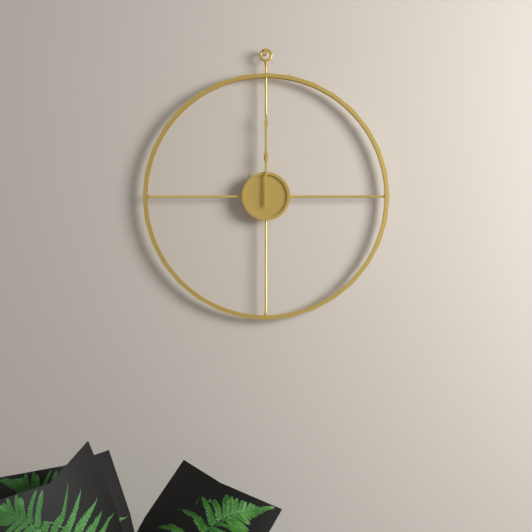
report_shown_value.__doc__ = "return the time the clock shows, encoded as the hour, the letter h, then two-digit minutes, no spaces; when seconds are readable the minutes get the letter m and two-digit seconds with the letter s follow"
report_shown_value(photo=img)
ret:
12h00
